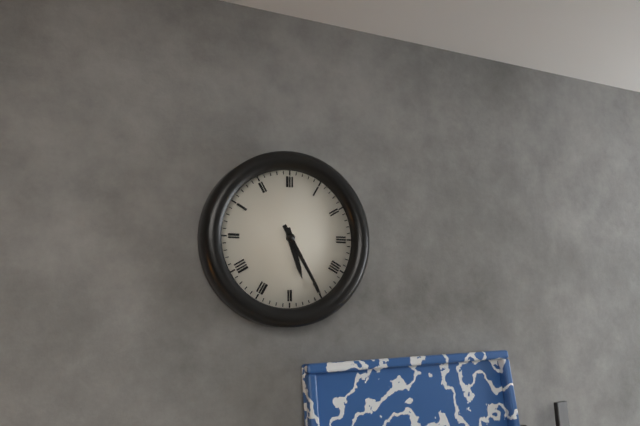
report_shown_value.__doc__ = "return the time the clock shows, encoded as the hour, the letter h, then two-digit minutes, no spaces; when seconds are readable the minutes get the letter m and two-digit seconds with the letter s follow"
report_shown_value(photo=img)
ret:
5h25
